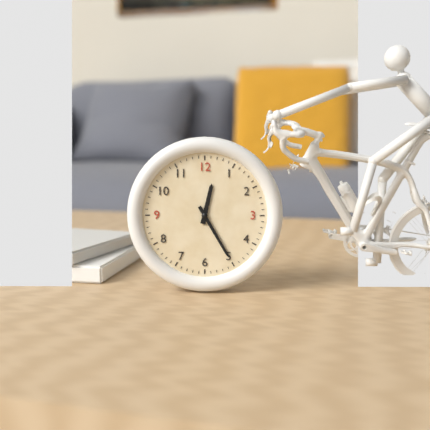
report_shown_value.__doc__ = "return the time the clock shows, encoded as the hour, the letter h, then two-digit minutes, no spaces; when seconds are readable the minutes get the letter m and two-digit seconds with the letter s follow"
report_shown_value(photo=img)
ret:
12h25
